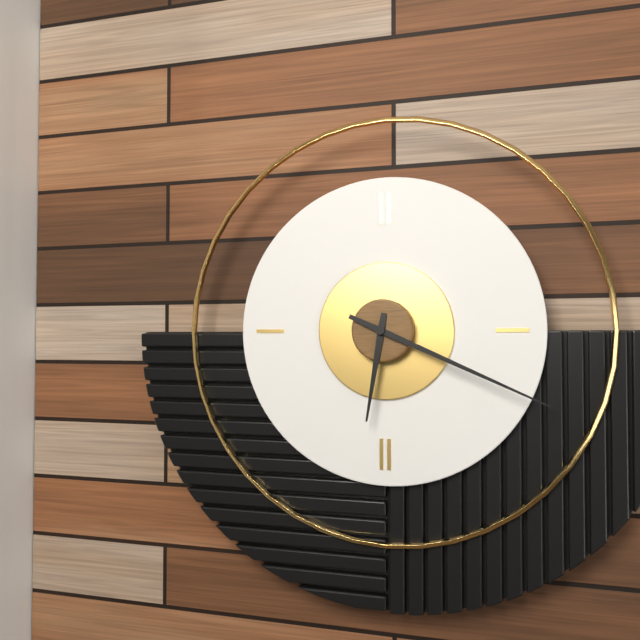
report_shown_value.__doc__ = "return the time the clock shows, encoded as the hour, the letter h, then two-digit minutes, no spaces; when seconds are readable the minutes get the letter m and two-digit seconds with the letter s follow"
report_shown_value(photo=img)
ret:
6h19
